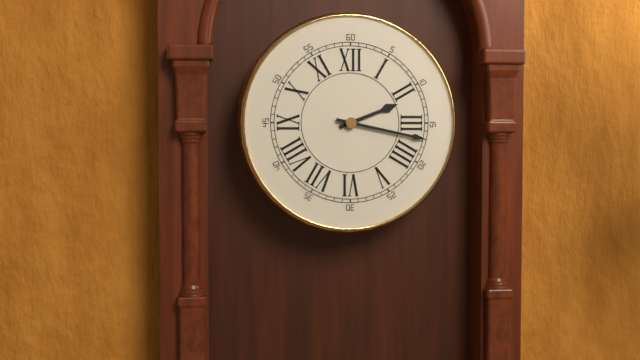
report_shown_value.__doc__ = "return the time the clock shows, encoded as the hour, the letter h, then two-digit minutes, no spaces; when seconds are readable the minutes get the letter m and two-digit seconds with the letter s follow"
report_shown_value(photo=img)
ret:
2h17
